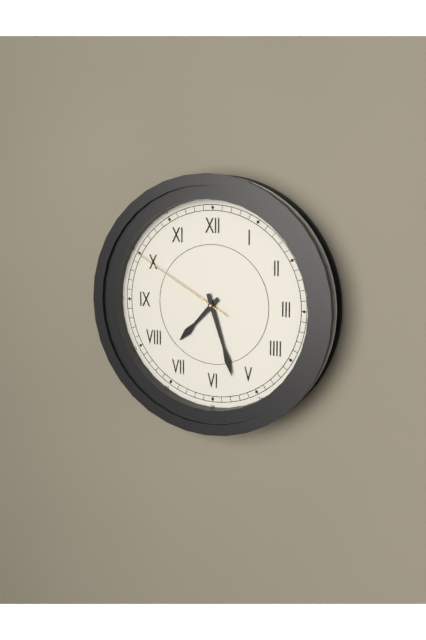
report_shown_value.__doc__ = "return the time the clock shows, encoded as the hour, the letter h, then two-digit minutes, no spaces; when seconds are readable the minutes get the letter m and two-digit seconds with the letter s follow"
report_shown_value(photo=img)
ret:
7h27m50s
